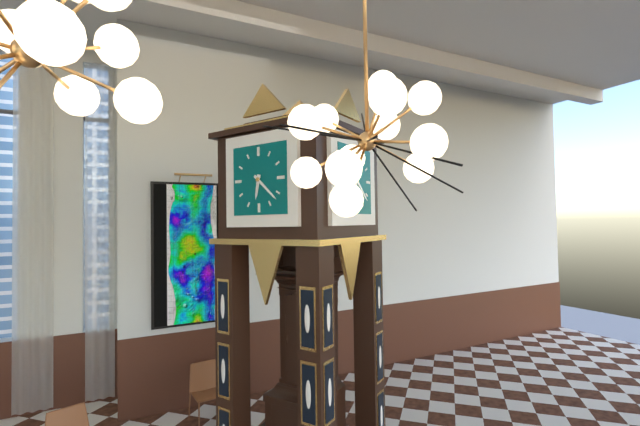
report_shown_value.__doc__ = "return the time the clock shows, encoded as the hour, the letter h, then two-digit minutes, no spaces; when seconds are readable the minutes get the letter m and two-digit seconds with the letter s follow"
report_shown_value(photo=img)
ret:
6h22
